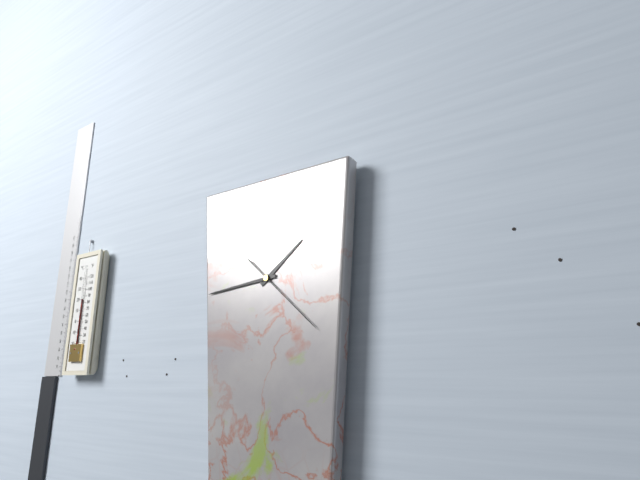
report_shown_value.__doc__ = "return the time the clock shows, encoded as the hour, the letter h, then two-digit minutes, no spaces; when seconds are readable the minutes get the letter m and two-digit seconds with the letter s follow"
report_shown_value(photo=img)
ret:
1h44m22s
